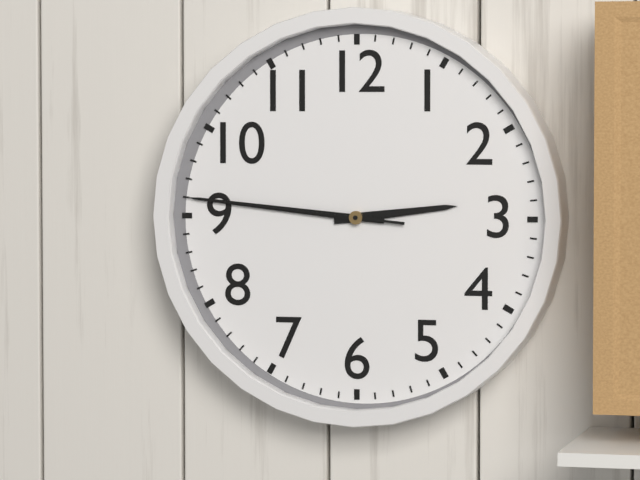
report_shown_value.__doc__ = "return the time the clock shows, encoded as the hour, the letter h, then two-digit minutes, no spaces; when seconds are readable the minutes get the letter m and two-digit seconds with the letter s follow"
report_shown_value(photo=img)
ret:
2h46m46s
